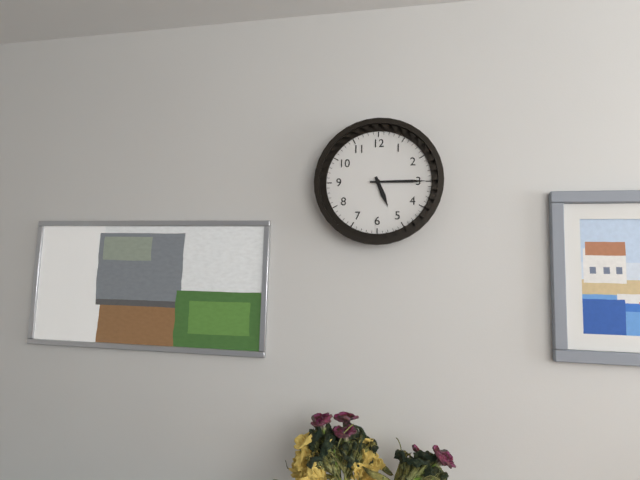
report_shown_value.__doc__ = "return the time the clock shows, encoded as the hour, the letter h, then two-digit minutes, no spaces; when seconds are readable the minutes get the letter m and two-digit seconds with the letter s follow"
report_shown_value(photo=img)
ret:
5h15
